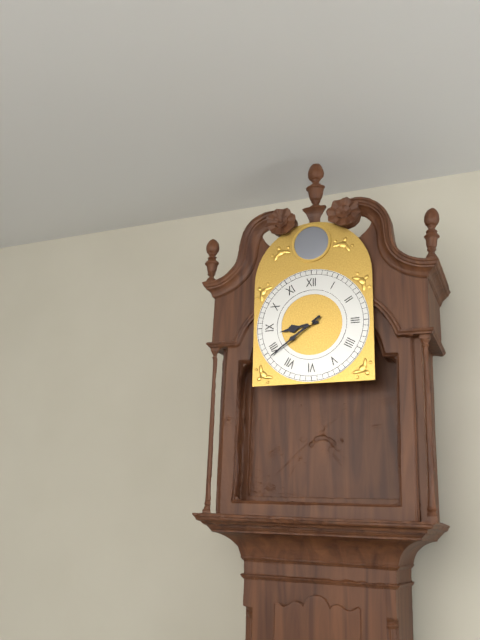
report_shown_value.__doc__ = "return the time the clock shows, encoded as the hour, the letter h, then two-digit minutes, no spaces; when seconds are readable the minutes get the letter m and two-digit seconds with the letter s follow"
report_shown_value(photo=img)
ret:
8h39
